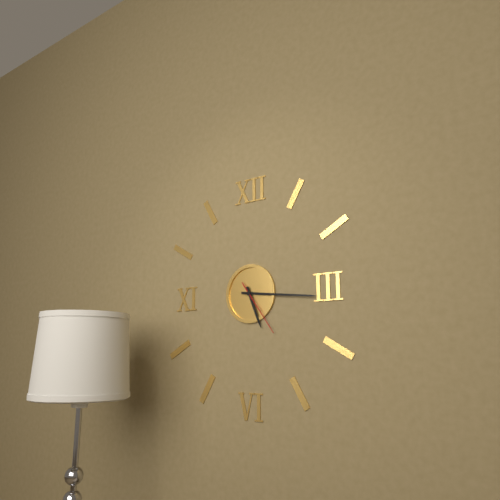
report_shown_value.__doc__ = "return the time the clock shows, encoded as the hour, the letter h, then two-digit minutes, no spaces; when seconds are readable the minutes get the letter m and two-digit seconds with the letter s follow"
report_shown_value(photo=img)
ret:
5h16m24s
